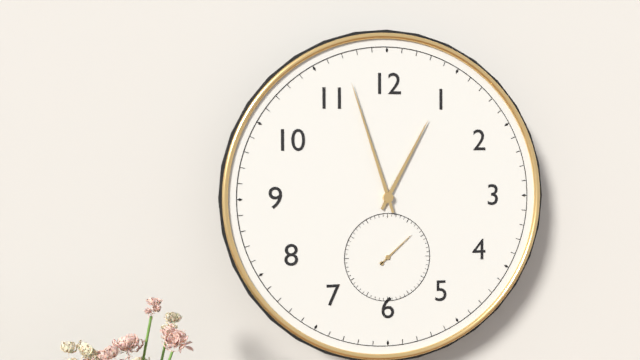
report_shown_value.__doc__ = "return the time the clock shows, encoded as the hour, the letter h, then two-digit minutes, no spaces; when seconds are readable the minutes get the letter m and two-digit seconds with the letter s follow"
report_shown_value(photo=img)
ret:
12h57
